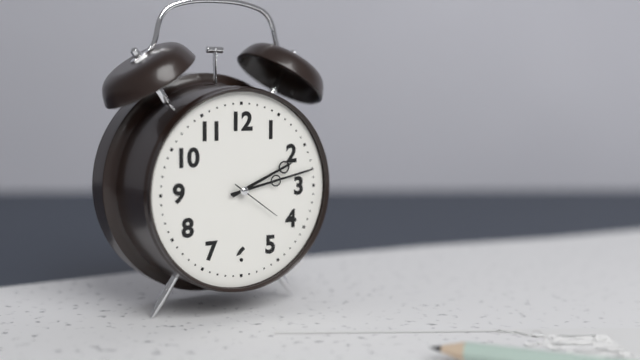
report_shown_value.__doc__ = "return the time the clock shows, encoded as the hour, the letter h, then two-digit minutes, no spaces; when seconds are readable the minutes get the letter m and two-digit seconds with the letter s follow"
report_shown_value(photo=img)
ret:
2h13m21s
